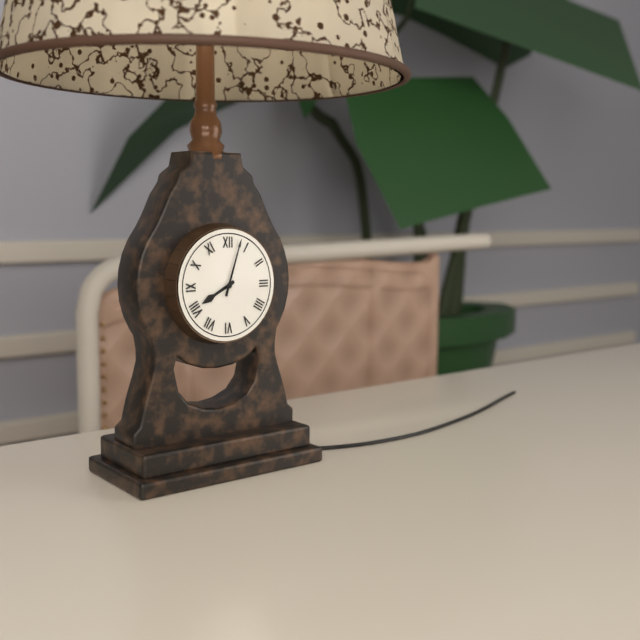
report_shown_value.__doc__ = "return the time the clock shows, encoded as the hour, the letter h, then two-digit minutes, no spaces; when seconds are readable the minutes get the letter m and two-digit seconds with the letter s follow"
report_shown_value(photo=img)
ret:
8h03
